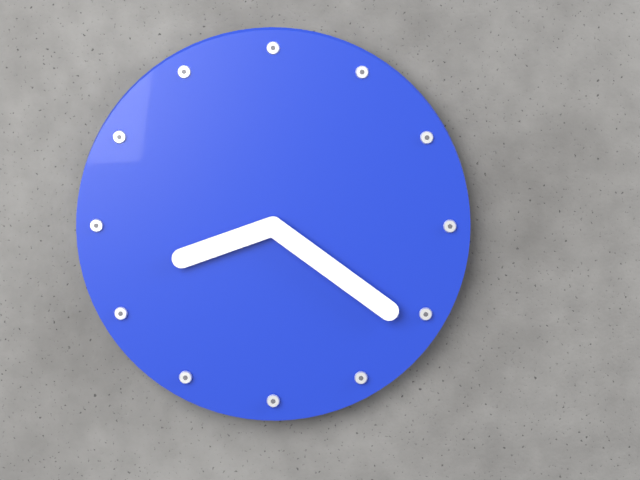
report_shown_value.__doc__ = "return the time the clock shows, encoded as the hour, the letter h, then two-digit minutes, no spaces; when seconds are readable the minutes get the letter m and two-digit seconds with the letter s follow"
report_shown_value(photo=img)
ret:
8h21
